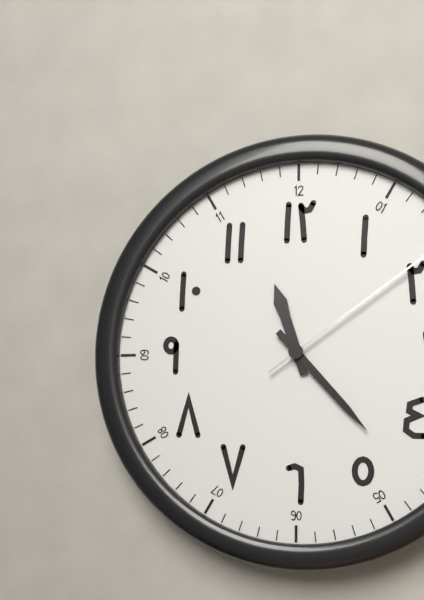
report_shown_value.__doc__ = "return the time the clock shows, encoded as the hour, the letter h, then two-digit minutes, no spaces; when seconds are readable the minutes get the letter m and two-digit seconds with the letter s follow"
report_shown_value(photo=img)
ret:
11h23
